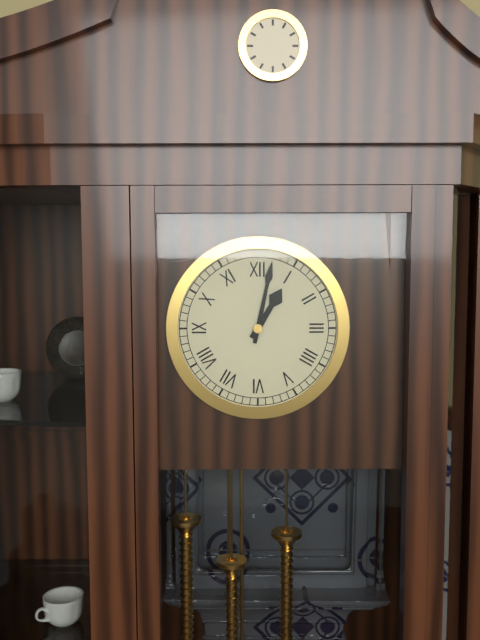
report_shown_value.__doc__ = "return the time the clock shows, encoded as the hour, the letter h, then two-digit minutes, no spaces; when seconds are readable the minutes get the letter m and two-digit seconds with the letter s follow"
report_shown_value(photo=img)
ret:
1h02
